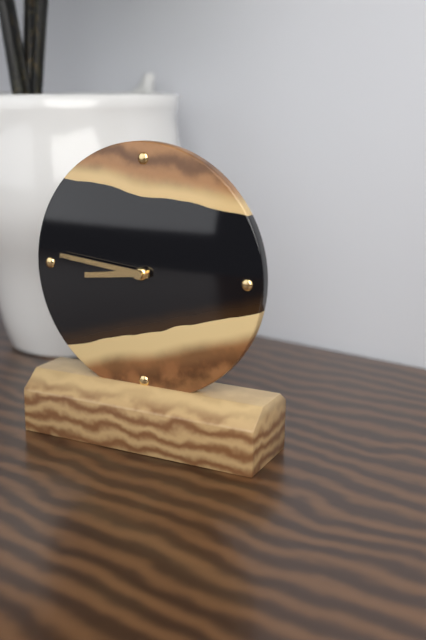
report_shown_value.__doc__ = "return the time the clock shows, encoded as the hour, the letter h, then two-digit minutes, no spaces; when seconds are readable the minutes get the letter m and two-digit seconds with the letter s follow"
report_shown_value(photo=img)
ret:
8h46
